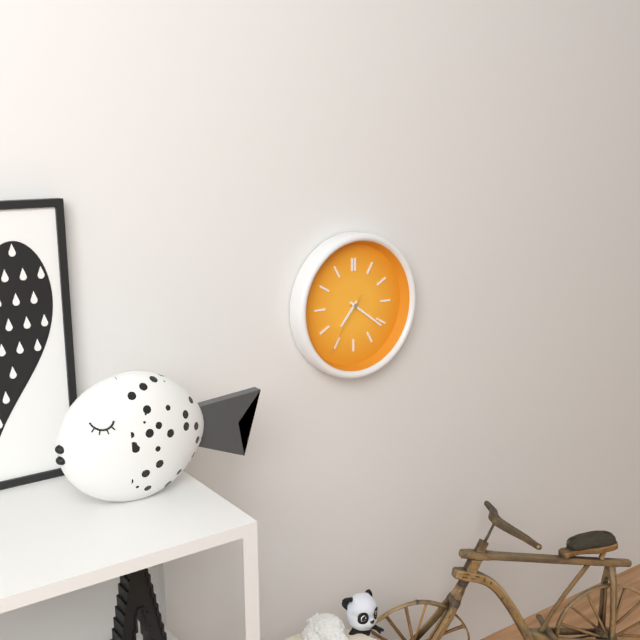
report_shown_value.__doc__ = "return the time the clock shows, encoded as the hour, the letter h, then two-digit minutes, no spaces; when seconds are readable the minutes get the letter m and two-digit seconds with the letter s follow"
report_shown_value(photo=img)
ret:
7h21m36s
